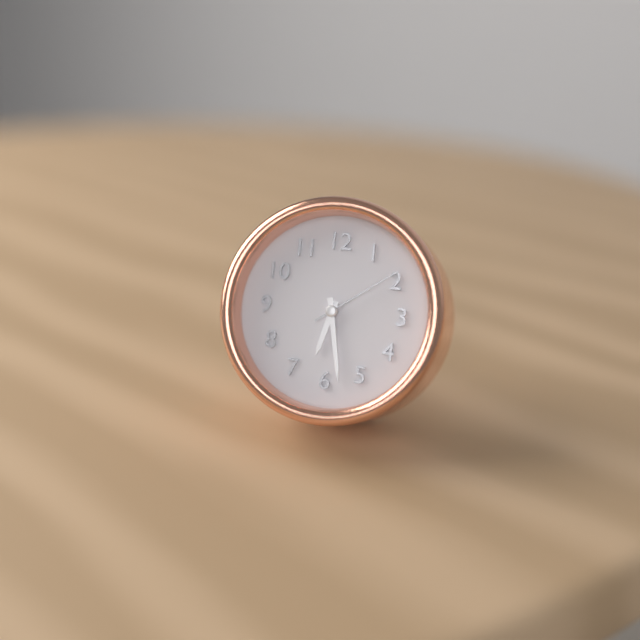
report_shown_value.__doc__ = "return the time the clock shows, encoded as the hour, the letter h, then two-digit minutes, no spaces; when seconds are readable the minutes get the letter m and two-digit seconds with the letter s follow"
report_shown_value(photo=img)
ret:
6h28m09s
